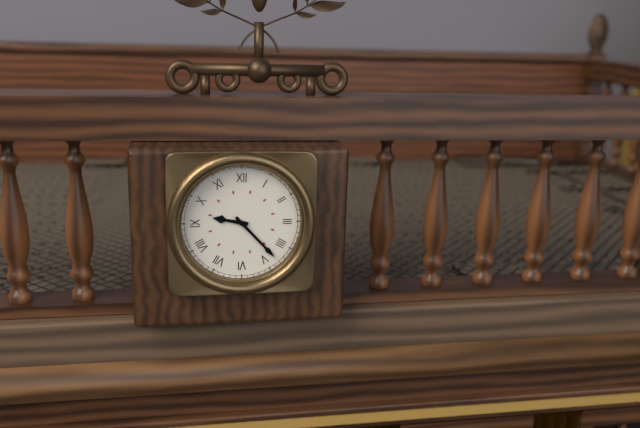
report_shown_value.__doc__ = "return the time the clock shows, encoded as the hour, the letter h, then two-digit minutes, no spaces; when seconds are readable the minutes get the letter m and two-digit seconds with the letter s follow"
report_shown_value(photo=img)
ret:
9h23
